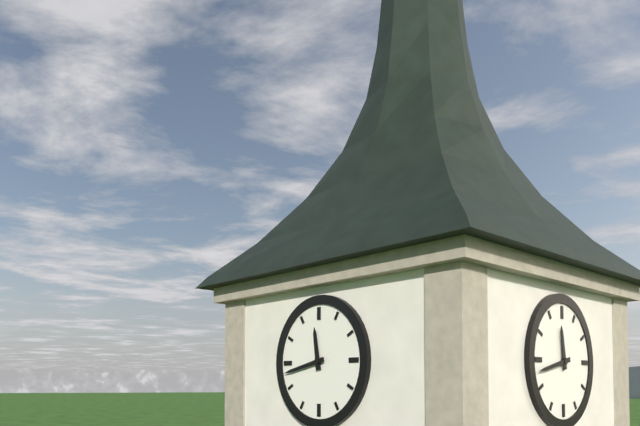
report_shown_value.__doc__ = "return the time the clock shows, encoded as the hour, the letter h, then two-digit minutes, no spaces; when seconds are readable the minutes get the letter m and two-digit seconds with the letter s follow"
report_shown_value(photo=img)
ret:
11h43
